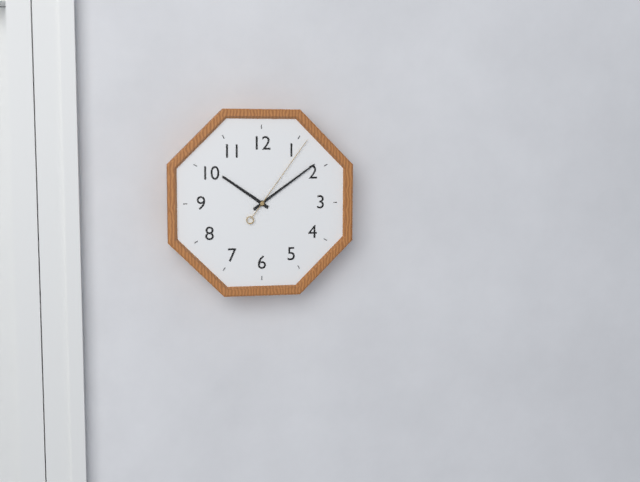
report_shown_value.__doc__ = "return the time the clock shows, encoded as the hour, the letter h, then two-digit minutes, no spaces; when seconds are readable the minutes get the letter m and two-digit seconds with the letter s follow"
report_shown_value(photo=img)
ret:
10h09m06s
